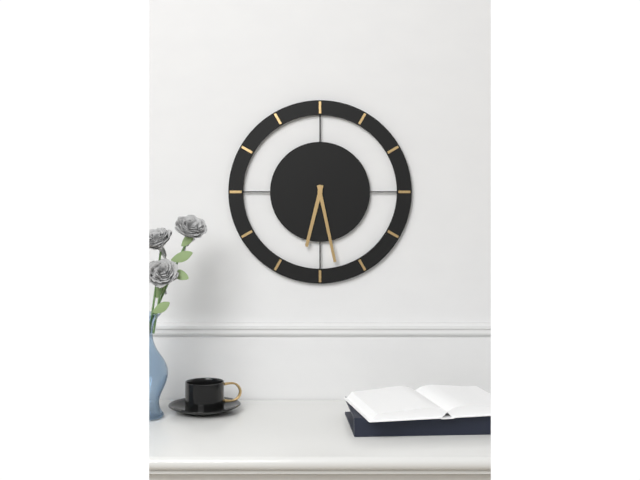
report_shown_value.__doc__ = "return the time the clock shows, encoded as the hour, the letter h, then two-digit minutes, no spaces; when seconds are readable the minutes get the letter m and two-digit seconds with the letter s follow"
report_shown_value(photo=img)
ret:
6h28
